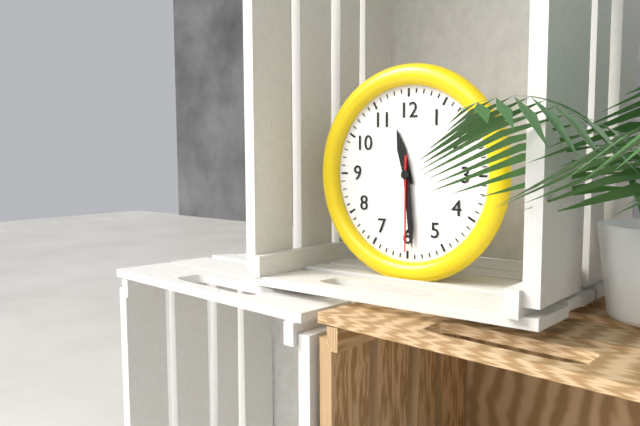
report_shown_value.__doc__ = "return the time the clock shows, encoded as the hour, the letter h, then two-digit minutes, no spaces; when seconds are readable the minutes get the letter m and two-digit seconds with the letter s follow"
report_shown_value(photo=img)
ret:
11h29m30s
